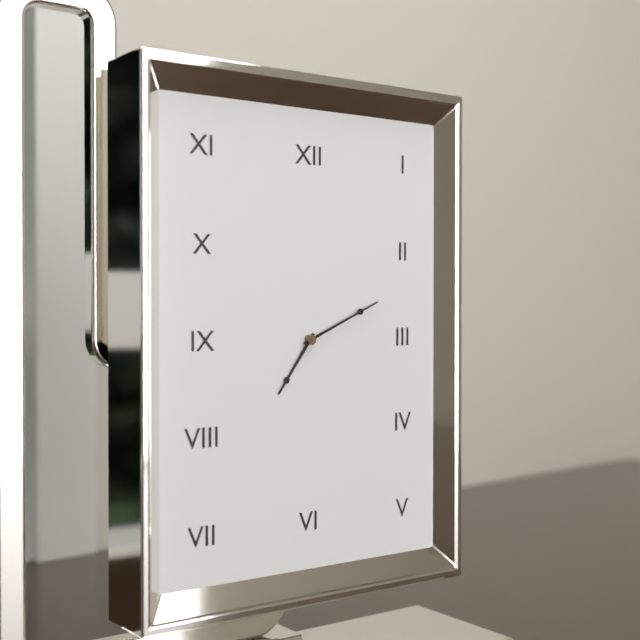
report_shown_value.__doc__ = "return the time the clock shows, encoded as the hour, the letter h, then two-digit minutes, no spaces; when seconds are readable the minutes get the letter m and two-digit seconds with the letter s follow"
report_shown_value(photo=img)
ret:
7h11
